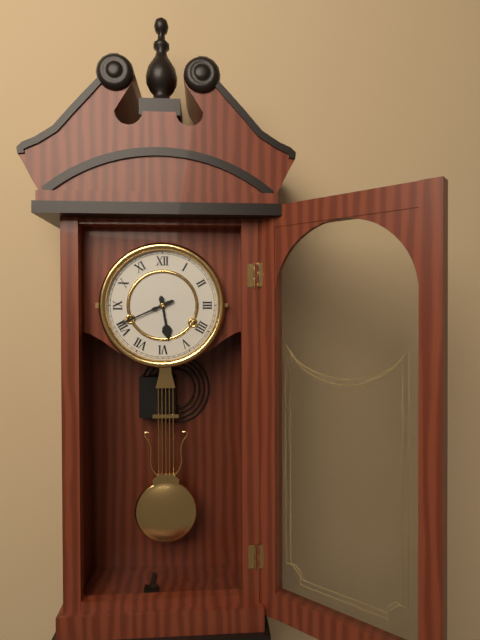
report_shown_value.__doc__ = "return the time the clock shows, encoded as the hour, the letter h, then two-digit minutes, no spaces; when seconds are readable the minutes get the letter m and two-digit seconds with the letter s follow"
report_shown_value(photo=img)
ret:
5h41
